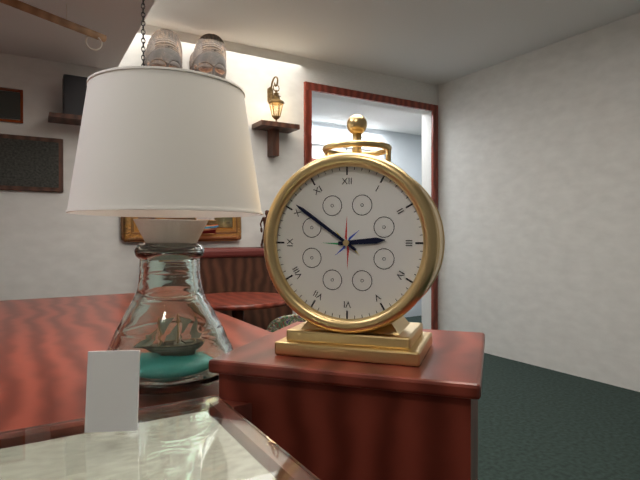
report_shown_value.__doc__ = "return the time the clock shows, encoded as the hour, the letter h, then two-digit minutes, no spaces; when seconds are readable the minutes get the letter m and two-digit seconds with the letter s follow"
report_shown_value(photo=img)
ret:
2h51
